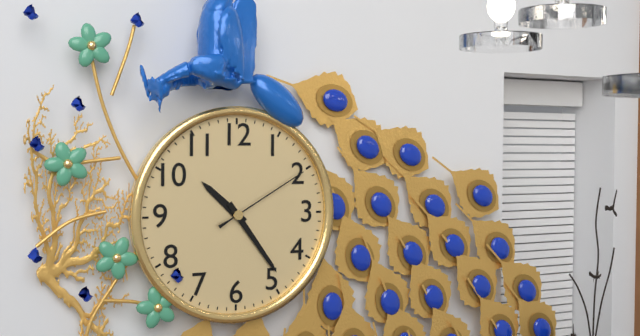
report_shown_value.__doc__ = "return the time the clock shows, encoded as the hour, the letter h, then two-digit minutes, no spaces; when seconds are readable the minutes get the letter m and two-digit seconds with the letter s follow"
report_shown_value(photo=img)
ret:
10h24m10s
